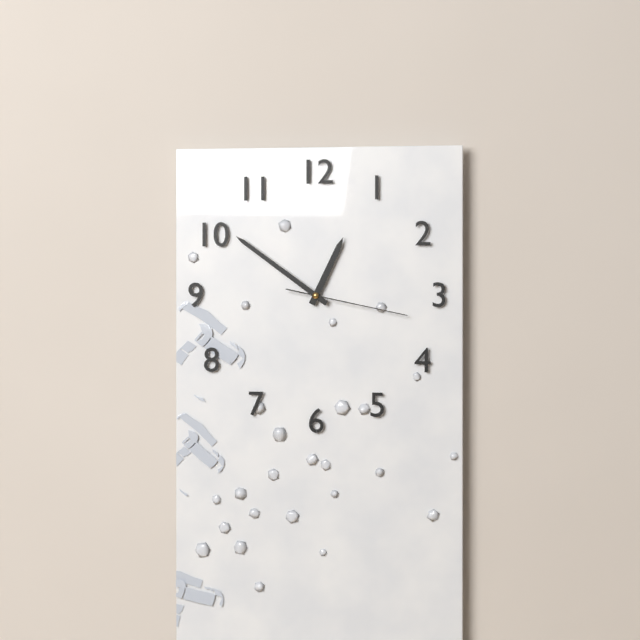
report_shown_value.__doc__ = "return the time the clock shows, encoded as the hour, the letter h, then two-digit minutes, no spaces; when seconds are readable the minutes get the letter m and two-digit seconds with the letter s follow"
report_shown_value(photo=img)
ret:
12h51m17s
